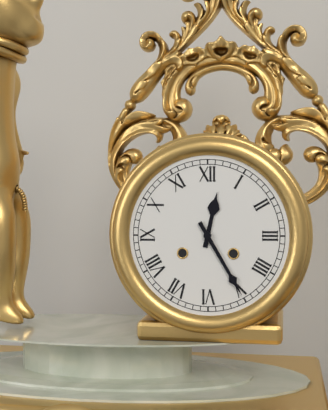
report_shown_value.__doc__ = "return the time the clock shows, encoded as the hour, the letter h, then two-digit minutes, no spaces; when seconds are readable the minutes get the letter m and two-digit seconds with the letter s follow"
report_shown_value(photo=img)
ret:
12h25
